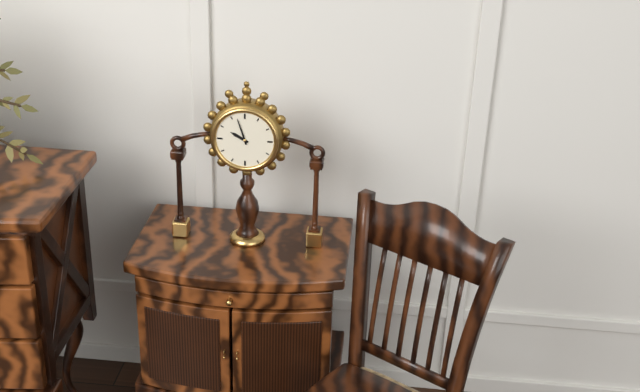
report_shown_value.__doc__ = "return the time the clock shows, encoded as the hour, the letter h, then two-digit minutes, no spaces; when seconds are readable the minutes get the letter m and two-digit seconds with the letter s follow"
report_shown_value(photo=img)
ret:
9h57
